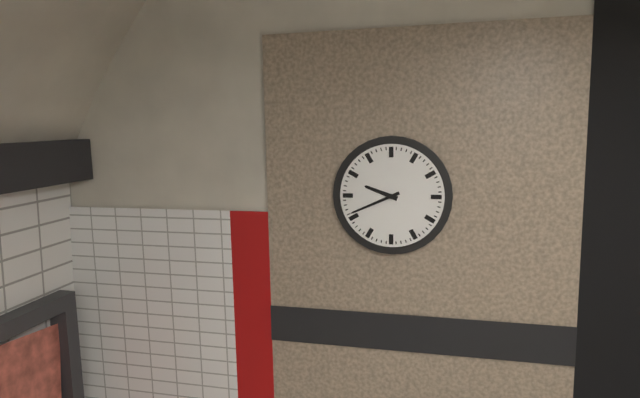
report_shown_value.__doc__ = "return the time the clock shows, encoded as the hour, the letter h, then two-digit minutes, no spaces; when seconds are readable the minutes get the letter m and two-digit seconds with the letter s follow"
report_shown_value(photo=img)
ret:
9h41
